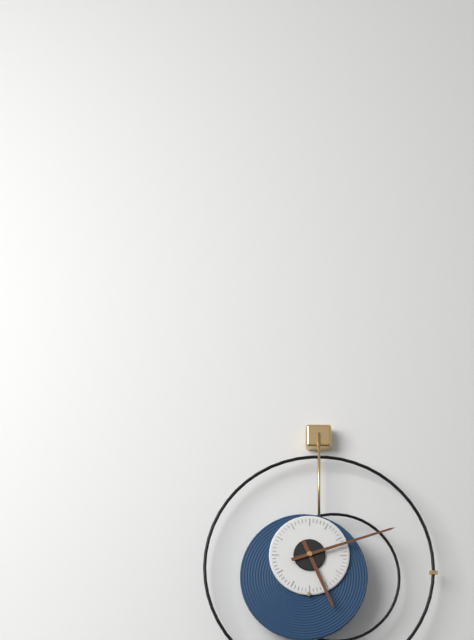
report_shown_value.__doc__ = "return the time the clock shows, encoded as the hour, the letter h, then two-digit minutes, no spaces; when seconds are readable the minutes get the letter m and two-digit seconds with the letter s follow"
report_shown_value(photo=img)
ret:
5h12
